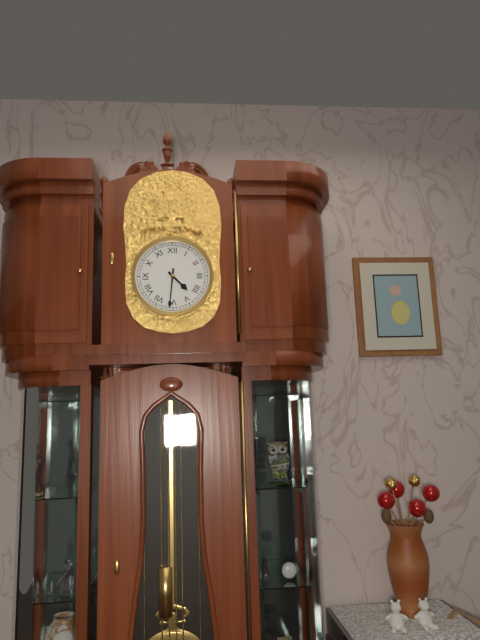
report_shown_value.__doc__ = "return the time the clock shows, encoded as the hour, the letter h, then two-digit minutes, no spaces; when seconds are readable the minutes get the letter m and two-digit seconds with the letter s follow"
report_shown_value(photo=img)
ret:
4h31
